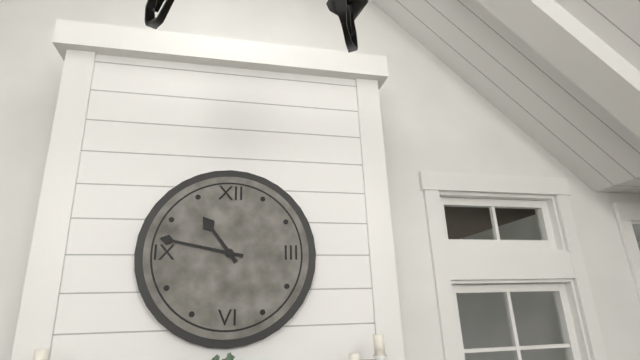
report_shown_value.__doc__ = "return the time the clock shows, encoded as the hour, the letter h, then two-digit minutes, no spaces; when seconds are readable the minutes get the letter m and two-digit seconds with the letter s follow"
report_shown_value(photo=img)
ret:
10h47
